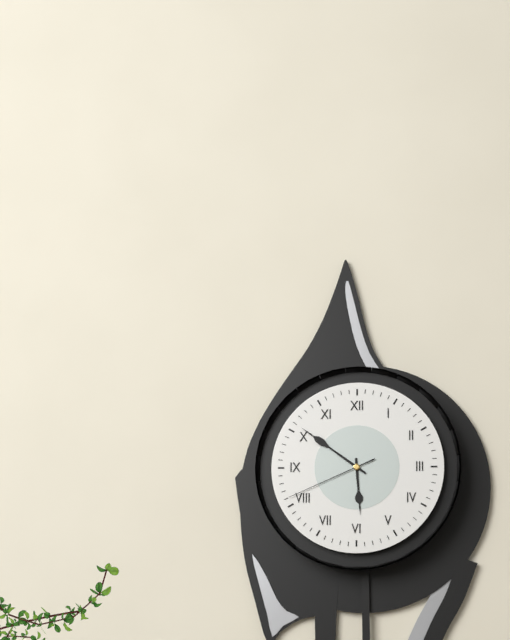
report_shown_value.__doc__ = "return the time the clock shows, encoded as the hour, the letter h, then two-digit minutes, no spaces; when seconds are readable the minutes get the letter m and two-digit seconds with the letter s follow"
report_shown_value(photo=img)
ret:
5h51m41s
